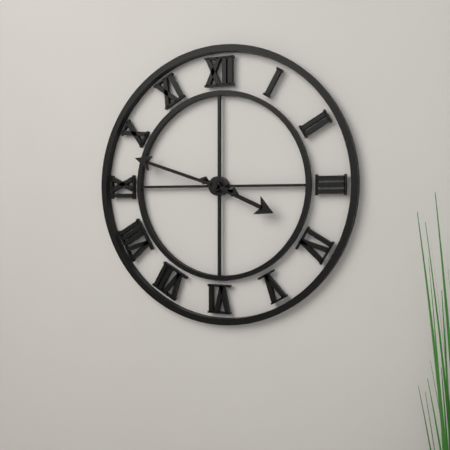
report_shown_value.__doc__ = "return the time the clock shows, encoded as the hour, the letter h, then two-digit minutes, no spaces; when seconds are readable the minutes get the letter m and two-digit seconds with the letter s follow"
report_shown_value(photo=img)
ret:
3h48
